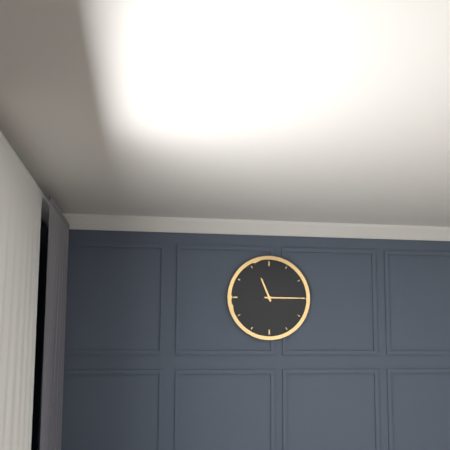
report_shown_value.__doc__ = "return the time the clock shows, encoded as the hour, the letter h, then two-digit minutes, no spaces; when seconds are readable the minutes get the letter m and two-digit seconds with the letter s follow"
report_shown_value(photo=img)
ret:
11h15
